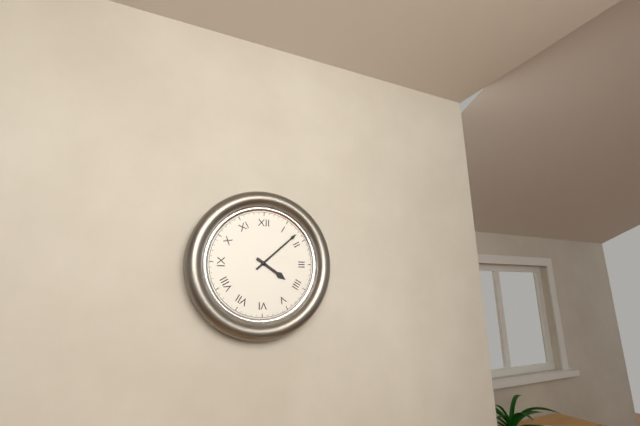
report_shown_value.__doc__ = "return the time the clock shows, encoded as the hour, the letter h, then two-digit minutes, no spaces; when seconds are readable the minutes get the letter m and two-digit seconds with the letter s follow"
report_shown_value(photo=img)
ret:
4h08
